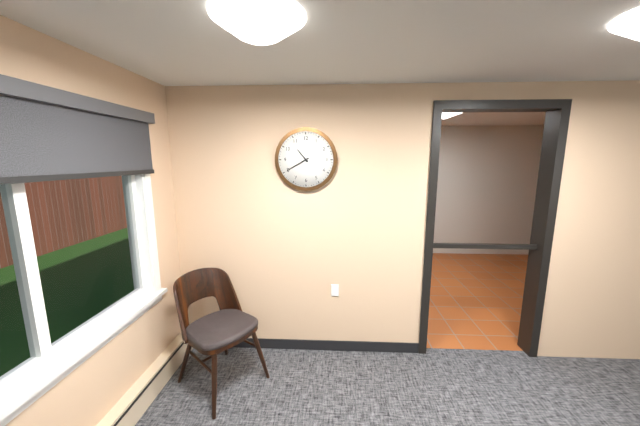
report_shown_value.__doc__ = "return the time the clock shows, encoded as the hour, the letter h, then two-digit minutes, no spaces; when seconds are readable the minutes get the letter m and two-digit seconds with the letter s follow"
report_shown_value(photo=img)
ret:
10h40
